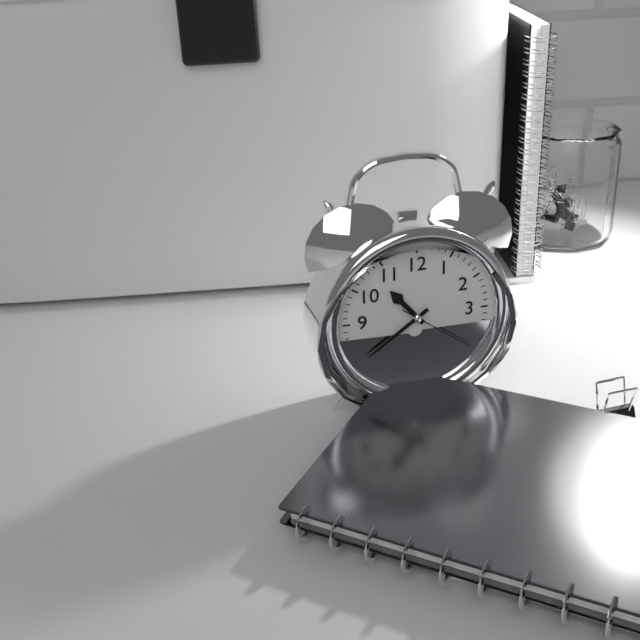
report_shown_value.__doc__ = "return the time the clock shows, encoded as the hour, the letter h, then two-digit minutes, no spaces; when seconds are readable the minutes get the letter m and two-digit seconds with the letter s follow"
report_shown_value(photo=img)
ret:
10h39m21s
